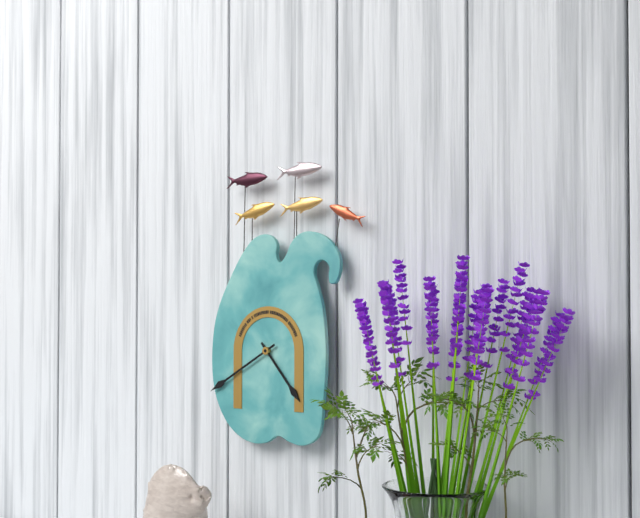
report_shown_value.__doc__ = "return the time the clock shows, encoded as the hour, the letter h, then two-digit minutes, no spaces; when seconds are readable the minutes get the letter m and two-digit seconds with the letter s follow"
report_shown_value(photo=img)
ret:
4h40
